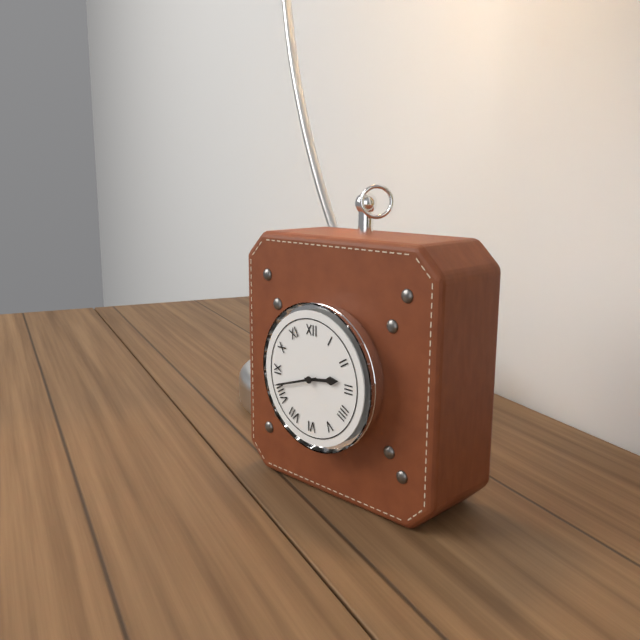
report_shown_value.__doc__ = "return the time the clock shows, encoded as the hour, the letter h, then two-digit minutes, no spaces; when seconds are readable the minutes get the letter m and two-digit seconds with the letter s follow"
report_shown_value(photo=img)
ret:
2h42
